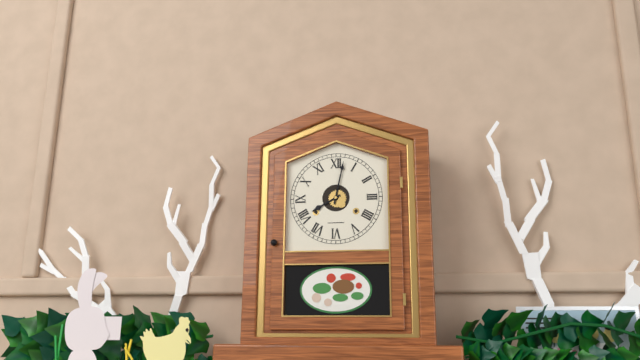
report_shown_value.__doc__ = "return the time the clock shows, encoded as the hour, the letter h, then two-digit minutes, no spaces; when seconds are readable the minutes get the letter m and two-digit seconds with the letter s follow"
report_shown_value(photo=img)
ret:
8h02
